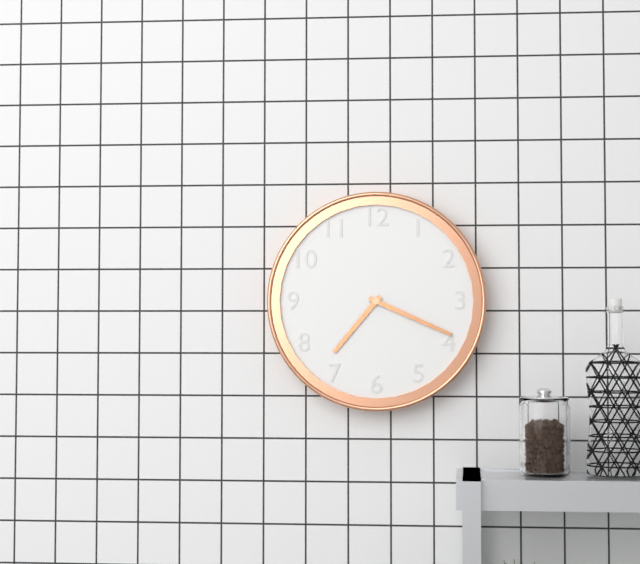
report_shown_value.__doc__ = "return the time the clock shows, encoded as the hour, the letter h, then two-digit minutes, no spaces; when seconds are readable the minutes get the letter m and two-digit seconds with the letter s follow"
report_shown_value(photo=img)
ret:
7h19
